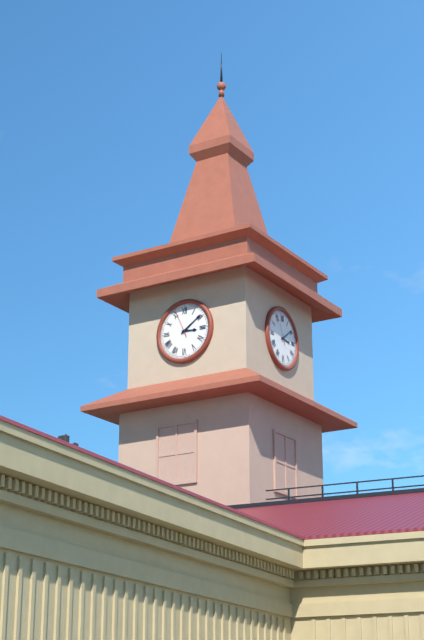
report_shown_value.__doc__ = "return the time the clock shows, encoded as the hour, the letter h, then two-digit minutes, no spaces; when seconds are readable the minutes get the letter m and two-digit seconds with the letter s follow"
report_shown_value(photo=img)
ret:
3h09
